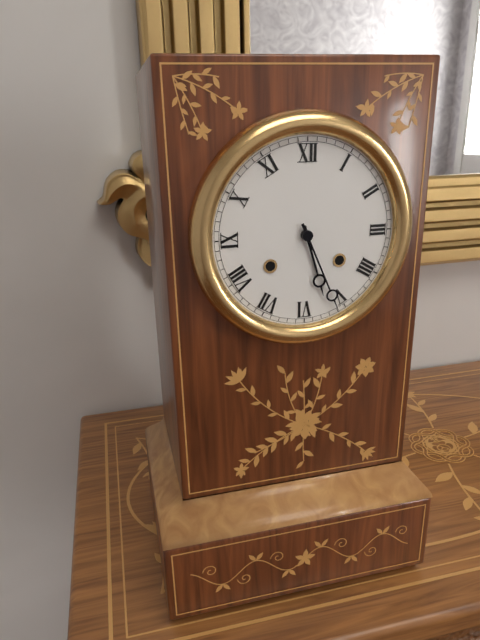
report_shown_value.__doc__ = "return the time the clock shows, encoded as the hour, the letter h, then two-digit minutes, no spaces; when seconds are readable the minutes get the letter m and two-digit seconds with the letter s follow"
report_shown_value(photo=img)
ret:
5h26
